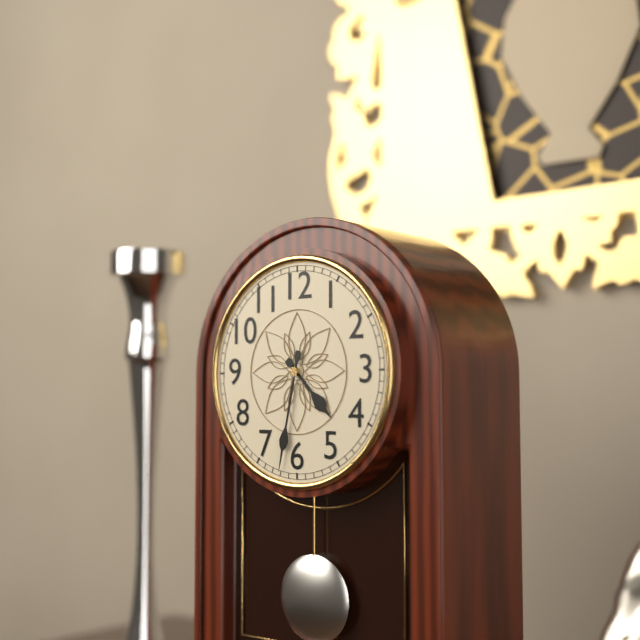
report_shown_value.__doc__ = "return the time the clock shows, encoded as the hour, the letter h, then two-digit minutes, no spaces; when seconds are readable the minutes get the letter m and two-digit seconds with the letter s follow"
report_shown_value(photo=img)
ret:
4h32
